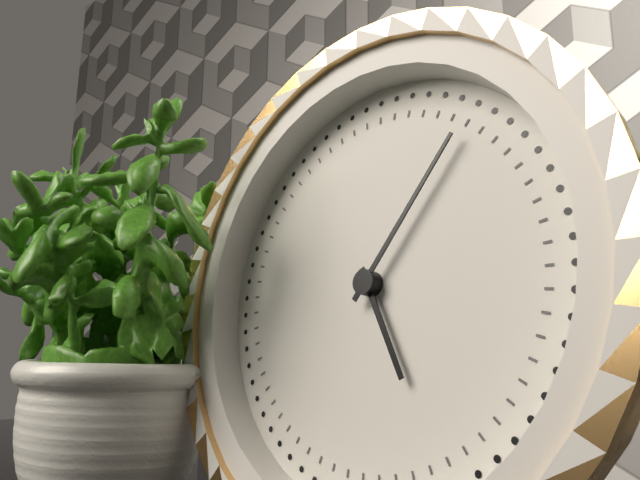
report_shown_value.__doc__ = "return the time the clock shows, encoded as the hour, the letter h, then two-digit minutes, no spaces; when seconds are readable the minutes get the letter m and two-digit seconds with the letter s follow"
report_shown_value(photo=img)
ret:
5h06
